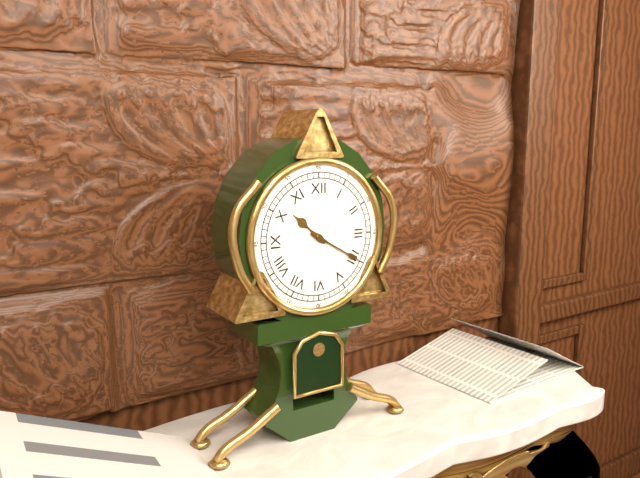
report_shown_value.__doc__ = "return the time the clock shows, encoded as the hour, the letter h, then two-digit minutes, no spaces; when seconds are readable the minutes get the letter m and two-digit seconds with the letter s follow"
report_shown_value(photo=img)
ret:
10h20
